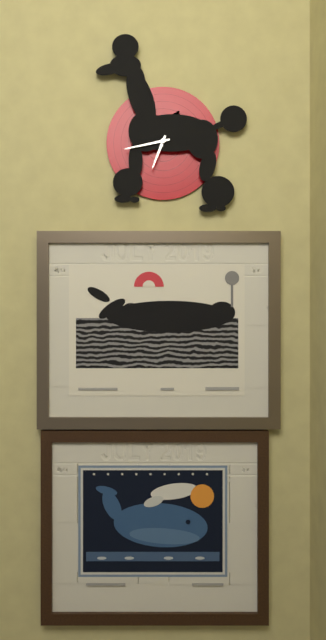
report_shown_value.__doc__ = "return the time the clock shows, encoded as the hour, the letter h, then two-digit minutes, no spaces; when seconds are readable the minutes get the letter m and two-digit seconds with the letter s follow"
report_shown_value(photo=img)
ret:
6h43
